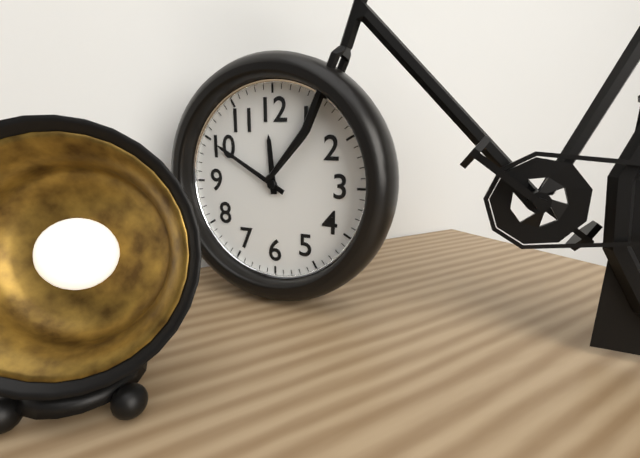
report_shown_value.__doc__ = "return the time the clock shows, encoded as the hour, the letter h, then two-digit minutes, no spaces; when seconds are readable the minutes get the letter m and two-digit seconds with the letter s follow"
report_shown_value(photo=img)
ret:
11h50
